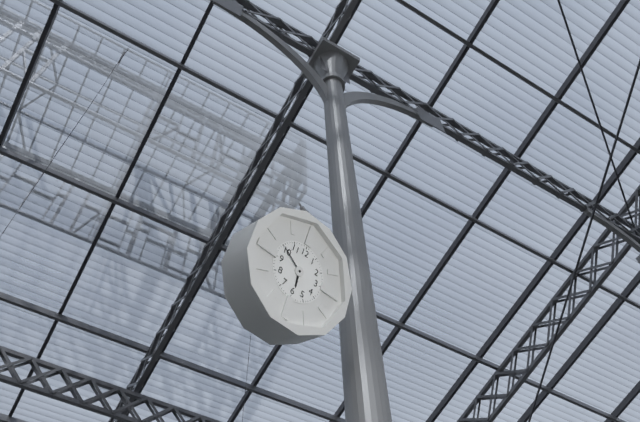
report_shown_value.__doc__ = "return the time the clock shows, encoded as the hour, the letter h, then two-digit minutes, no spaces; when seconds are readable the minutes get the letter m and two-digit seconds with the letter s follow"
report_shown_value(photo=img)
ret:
5h50
